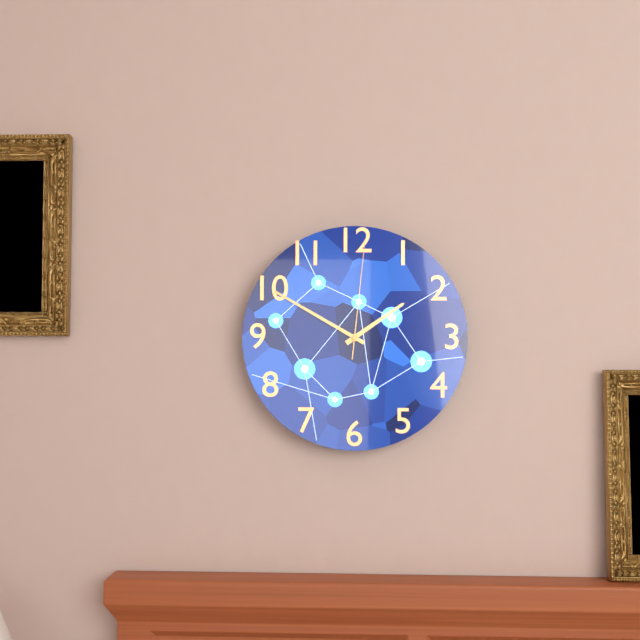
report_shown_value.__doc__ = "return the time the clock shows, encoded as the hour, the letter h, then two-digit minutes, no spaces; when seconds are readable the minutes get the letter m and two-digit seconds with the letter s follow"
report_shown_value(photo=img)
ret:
1h50m01s
